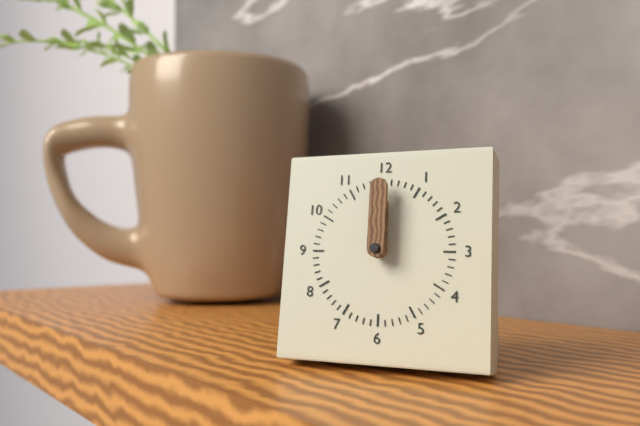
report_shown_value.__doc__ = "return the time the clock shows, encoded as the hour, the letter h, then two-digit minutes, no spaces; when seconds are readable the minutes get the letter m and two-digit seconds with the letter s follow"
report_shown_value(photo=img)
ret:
12h00
